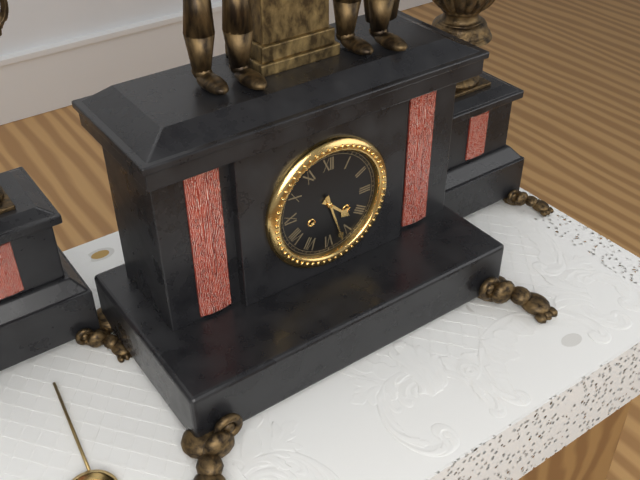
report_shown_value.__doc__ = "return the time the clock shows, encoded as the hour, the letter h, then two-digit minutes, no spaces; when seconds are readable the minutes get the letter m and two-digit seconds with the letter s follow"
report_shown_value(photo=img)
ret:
4h27
